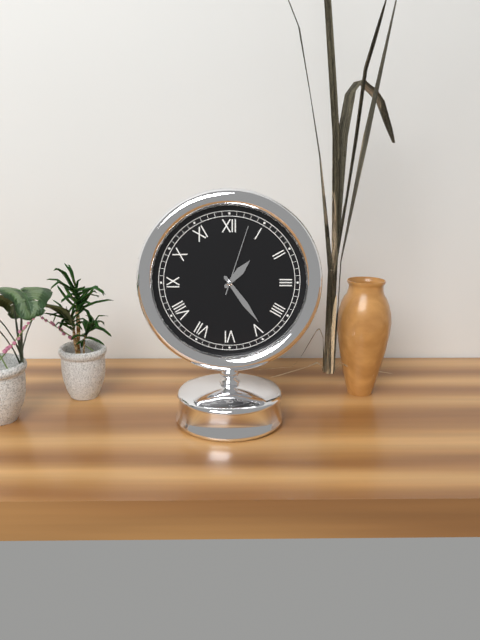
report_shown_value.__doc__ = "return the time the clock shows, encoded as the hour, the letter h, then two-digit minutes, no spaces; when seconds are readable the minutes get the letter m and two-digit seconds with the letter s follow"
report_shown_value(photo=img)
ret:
1h24m03s
